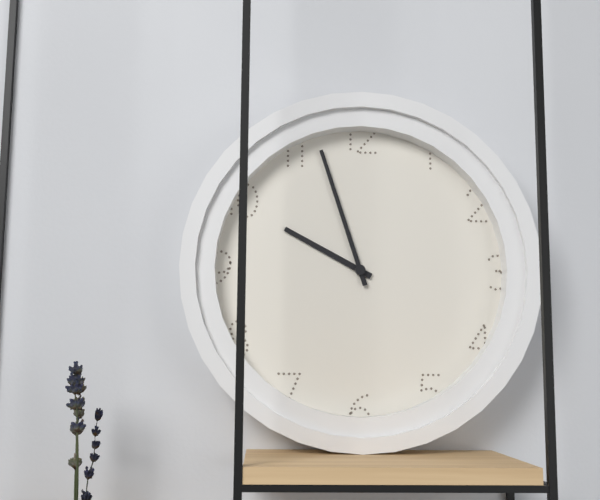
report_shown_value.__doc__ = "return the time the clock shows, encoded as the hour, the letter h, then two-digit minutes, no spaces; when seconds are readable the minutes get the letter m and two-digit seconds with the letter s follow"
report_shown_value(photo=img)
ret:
9h57
